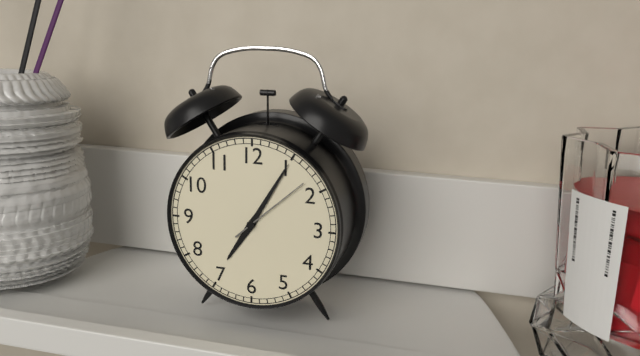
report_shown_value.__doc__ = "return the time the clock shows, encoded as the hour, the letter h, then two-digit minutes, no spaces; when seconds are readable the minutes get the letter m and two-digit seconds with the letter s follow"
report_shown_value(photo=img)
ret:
7h05m08s
